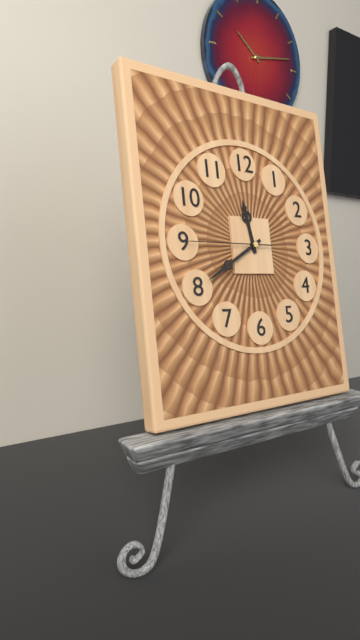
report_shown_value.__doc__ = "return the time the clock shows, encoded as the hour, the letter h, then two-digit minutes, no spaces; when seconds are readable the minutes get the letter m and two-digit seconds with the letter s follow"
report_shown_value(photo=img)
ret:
11h40m45s
